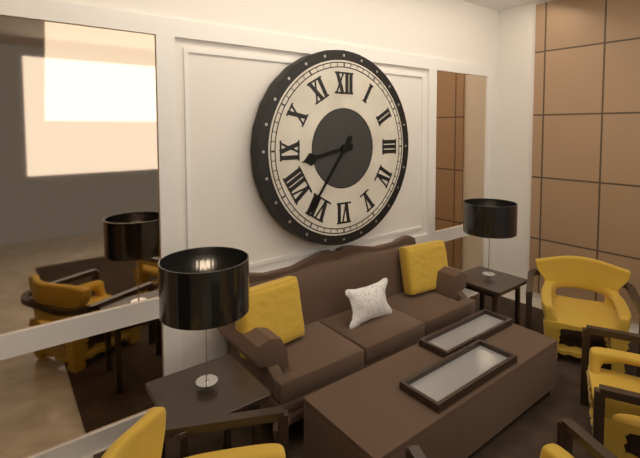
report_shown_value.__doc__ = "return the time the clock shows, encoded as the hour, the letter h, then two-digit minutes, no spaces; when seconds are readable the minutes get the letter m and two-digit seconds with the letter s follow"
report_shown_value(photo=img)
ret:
8h36
